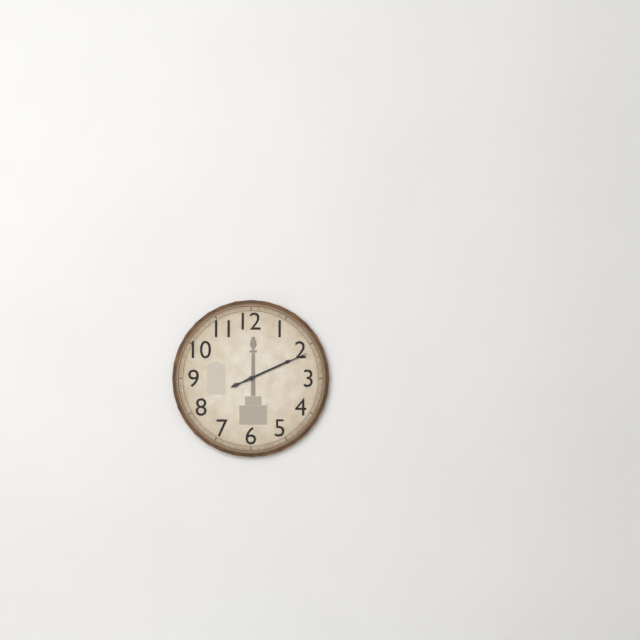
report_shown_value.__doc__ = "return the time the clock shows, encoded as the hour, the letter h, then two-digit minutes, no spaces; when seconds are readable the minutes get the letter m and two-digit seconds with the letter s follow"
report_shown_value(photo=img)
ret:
2h11
